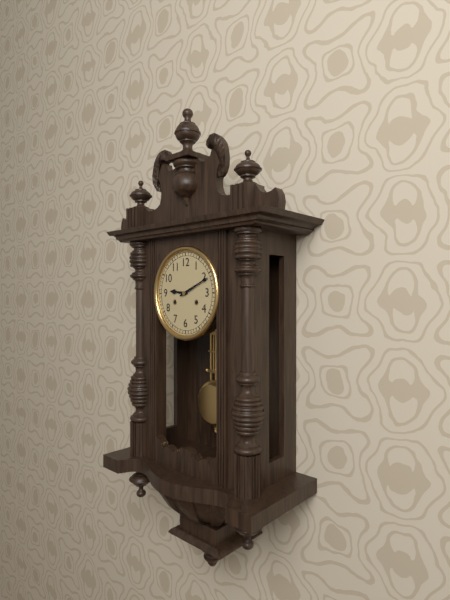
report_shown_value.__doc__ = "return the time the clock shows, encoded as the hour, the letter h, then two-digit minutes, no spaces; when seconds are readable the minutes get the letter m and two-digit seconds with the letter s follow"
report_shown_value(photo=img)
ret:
9h11
